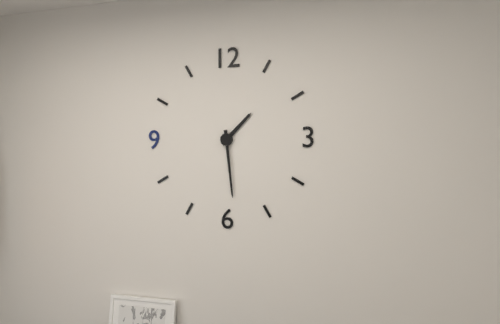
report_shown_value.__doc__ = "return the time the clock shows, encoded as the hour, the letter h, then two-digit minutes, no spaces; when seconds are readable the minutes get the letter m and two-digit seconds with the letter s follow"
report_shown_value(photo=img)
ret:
1h29
